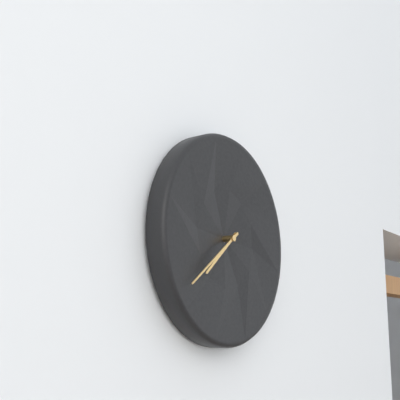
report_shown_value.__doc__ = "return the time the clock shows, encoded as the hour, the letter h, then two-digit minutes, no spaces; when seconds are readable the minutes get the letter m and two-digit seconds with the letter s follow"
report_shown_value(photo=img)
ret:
7h39
